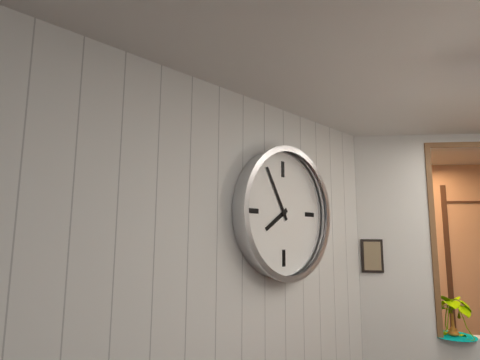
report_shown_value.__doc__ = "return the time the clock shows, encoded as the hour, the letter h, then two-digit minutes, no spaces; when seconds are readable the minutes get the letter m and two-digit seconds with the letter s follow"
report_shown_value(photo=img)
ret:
7h55
